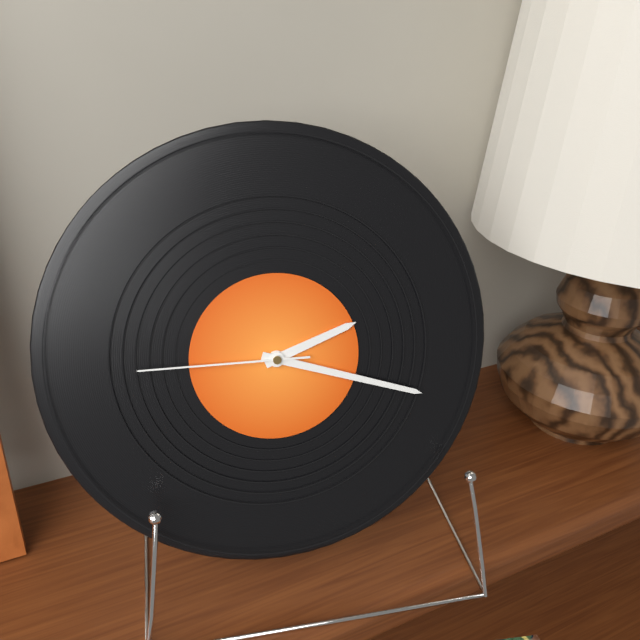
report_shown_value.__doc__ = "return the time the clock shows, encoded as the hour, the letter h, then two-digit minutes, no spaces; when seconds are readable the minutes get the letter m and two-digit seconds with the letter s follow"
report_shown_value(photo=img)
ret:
2h18m45s
